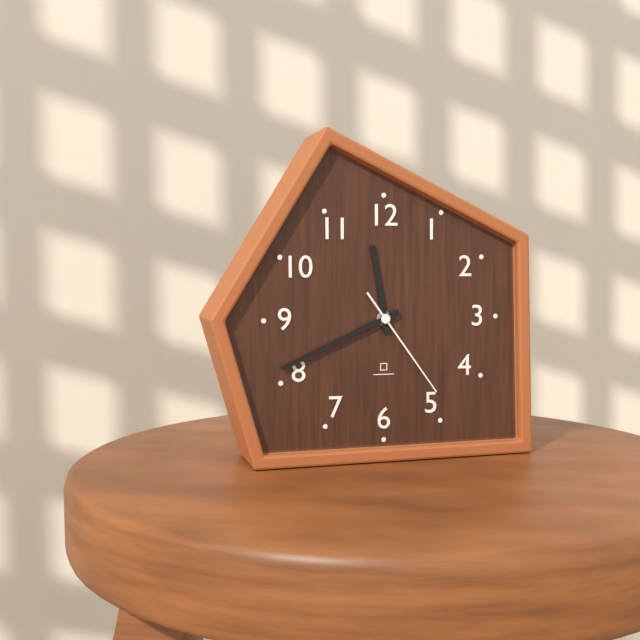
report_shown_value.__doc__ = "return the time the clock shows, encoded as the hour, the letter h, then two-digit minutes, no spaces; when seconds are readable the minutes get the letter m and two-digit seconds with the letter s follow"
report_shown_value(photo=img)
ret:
11h41m24s
